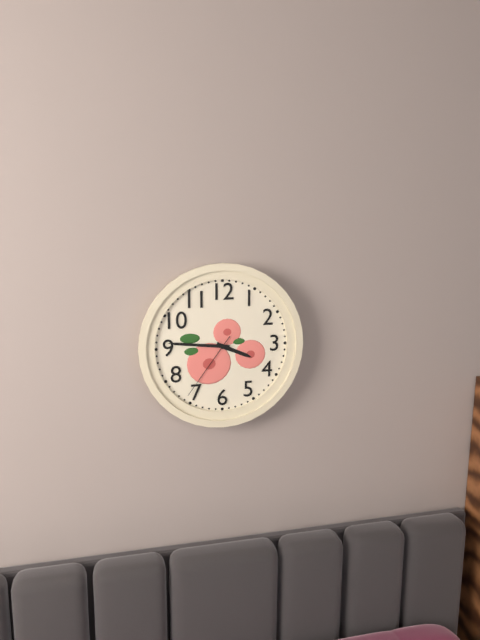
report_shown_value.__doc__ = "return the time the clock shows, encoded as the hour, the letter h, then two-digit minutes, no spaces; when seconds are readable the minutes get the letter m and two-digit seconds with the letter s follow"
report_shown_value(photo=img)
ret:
3h46m36s
